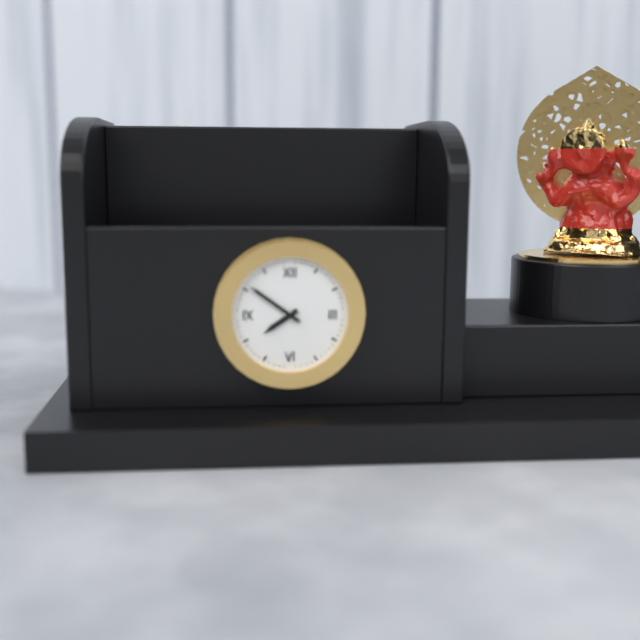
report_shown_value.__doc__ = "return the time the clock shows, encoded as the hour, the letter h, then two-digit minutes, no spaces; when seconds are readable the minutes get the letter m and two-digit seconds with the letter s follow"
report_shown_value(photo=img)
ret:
7h51
